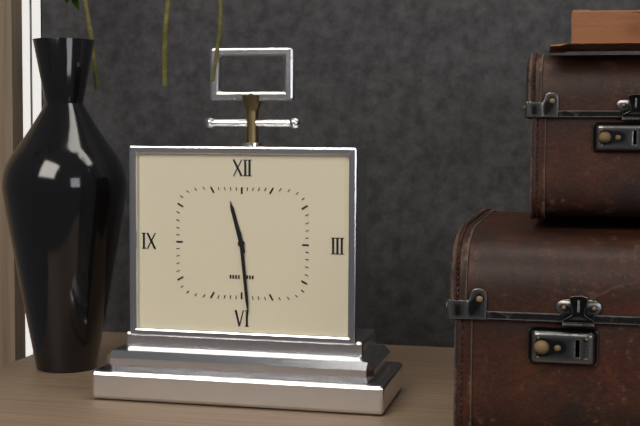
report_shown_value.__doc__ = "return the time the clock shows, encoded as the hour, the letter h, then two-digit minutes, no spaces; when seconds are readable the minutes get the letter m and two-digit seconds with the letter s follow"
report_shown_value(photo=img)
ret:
11h29
